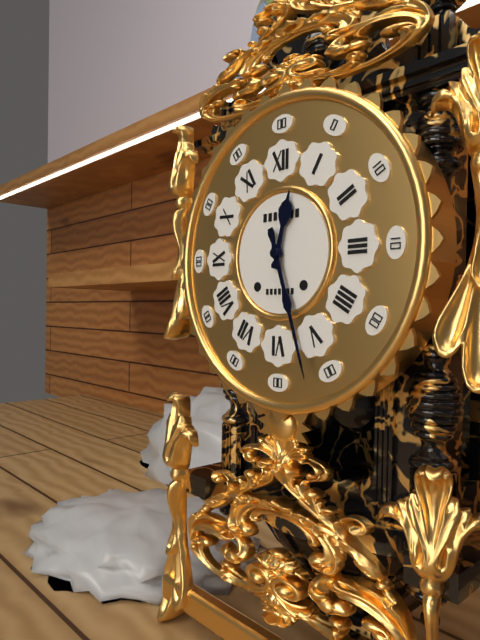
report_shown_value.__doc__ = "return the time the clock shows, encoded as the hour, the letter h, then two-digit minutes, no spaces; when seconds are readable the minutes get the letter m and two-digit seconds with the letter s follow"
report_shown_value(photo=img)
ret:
12h27
